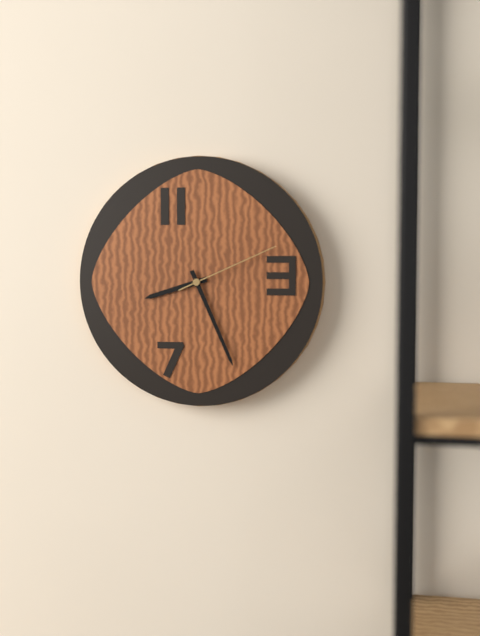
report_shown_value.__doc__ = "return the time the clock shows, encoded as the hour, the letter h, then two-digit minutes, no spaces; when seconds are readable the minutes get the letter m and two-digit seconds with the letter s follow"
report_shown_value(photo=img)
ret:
8h26m11s
